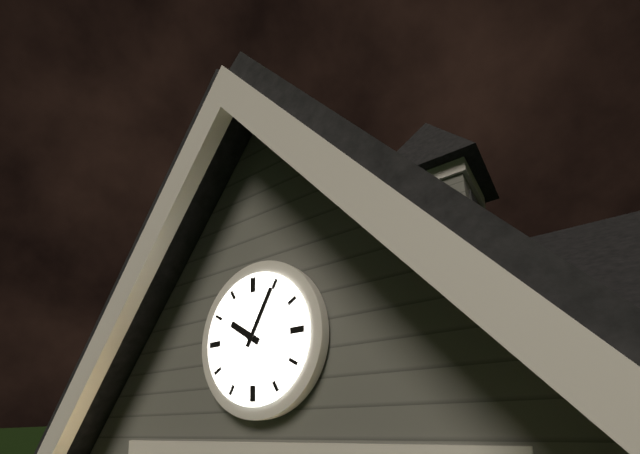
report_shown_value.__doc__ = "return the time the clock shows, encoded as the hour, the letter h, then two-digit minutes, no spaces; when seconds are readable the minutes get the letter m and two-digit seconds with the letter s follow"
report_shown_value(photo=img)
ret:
10h05
